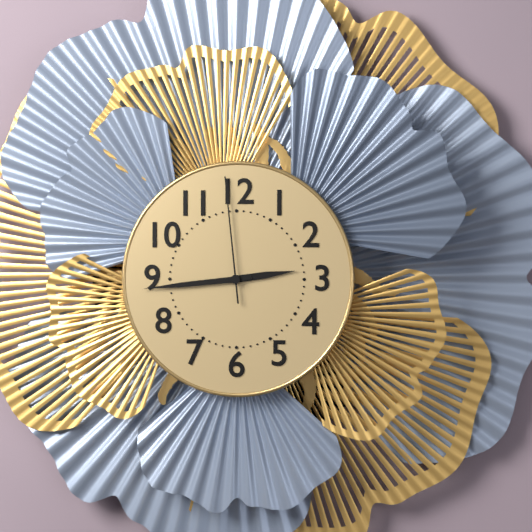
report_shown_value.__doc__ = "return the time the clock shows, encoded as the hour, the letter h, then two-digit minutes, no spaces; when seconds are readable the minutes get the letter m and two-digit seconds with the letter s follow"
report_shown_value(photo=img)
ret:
2h44m59s
